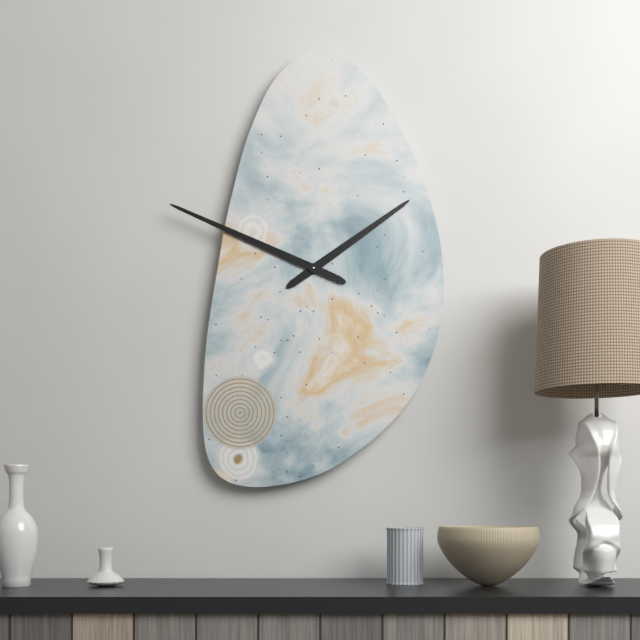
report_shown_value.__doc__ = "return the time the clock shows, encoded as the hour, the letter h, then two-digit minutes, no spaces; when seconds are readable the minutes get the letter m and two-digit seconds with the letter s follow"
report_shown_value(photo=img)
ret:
1h49
